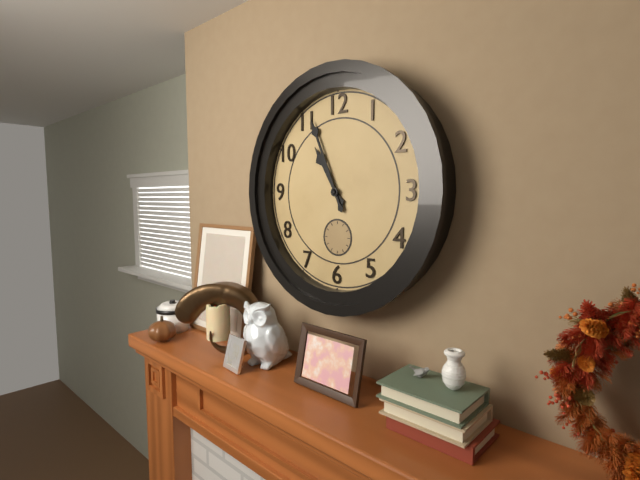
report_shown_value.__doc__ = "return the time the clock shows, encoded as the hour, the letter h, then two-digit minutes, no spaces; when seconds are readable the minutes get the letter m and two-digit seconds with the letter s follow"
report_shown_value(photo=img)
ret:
10h56
